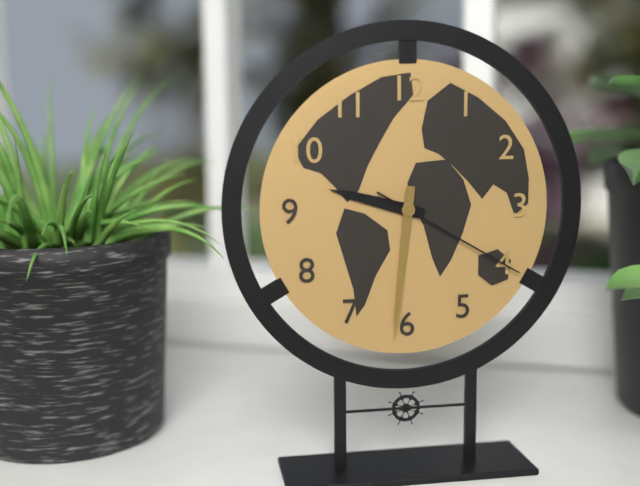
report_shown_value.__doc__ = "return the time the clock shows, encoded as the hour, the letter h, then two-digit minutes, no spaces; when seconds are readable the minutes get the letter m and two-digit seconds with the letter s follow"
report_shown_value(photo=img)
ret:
9h31m20s
